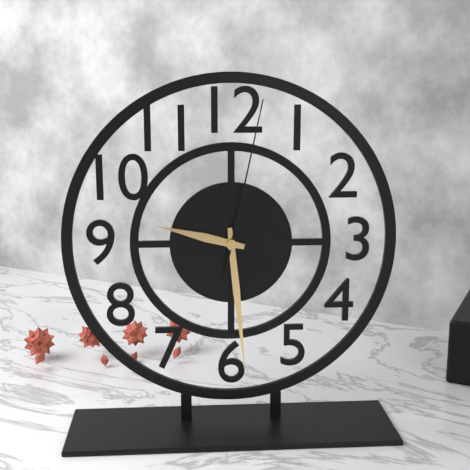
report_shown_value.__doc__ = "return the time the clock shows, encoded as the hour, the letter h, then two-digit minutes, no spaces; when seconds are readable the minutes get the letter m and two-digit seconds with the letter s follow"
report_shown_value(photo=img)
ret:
9h29m02s
